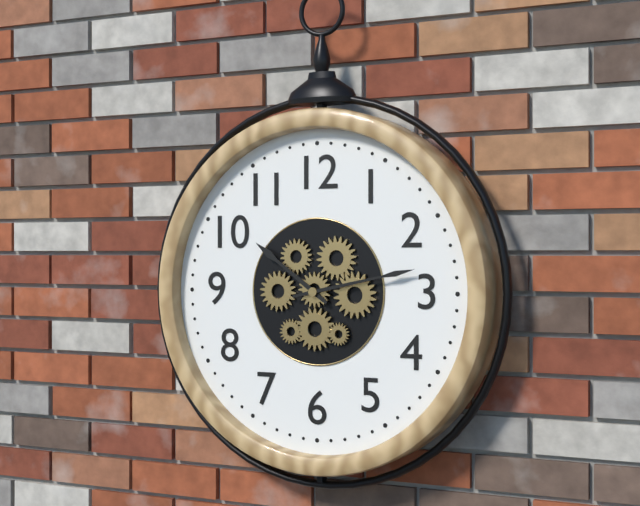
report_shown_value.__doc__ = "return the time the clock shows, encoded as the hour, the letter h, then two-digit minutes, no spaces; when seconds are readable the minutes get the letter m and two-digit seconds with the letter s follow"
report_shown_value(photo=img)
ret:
10h13
